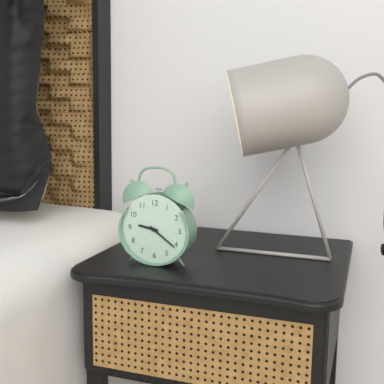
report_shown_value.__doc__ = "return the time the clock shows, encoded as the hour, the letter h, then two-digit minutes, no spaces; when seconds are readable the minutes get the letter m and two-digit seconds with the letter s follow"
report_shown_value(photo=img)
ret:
9h21
